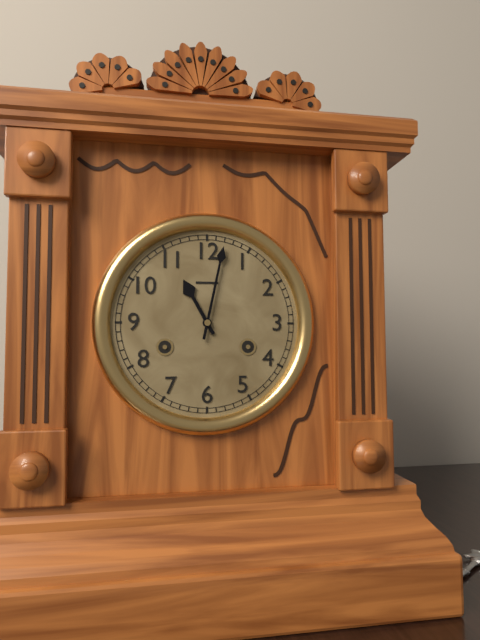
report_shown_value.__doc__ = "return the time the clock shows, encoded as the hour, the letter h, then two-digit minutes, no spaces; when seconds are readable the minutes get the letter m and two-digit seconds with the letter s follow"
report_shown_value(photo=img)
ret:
11h02
